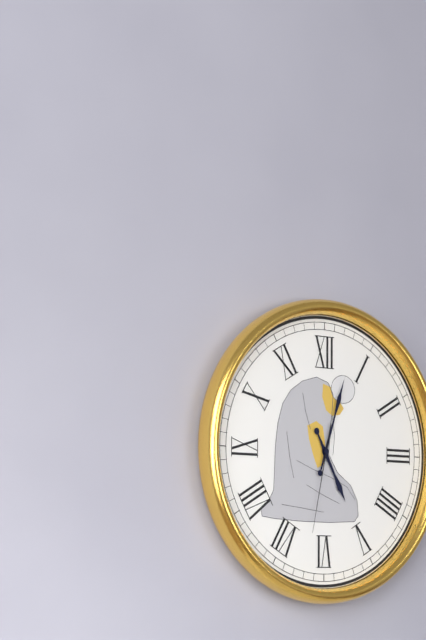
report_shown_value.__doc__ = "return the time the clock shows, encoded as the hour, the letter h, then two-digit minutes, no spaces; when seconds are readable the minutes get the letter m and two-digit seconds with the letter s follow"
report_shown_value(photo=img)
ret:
5h03m32s
